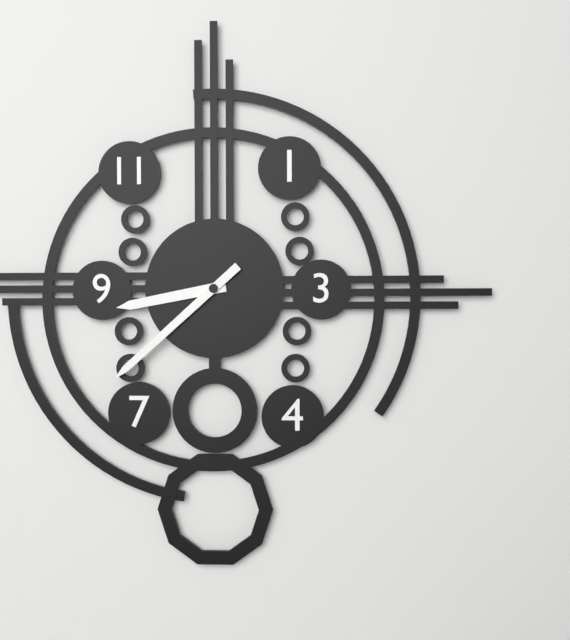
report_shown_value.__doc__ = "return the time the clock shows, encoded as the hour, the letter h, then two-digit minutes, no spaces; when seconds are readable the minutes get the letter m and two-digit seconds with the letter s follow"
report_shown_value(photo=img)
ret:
8h38
